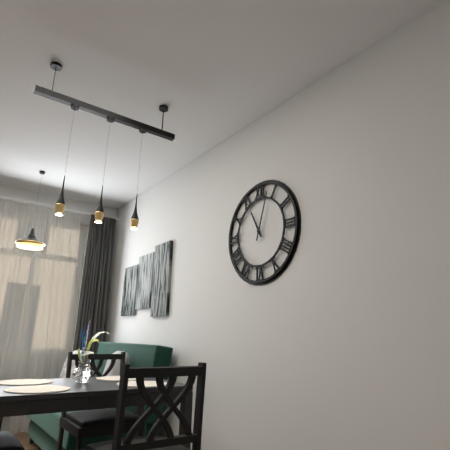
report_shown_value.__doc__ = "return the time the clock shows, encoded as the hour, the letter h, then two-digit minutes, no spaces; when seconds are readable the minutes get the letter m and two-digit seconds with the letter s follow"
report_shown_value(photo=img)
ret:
11h03
